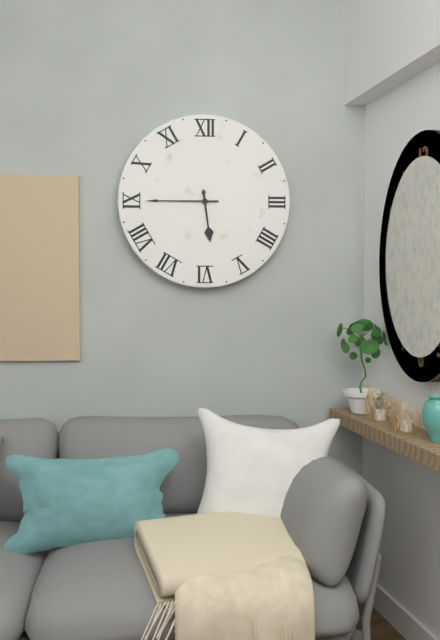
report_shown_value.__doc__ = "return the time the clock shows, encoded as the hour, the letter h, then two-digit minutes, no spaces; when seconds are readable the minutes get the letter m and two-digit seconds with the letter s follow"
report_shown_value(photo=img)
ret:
5h45
